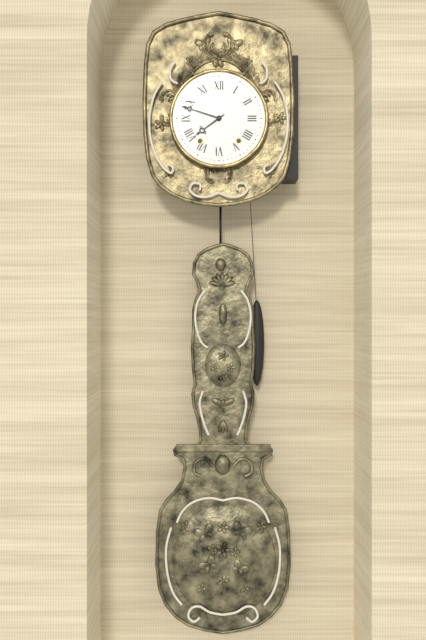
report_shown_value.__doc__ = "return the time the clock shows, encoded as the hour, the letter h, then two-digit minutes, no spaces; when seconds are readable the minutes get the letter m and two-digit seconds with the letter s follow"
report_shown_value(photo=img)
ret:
7h48
